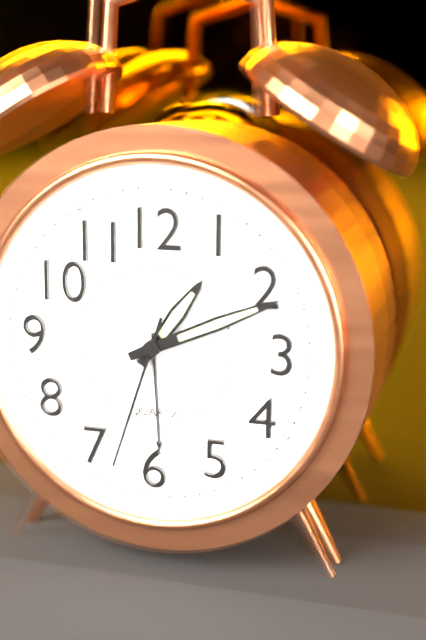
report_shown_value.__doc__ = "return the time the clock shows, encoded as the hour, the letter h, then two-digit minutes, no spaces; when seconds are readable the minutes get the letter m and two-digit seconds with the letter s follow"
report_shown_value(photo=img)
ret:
1h11m33s
